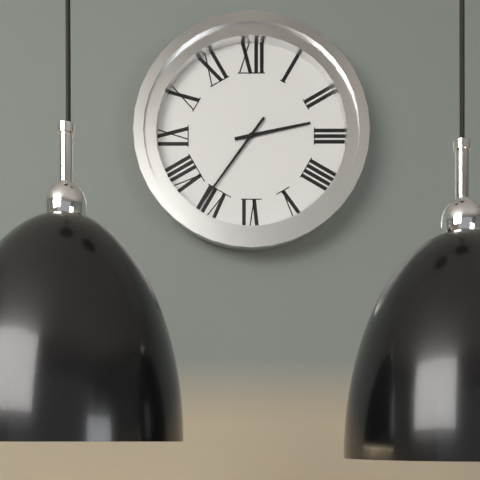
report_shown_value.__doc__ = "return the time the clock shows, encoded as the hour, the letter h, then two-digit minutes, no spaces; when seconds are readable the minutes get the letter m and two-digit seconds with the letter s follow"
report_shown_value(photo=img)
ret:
2h36
